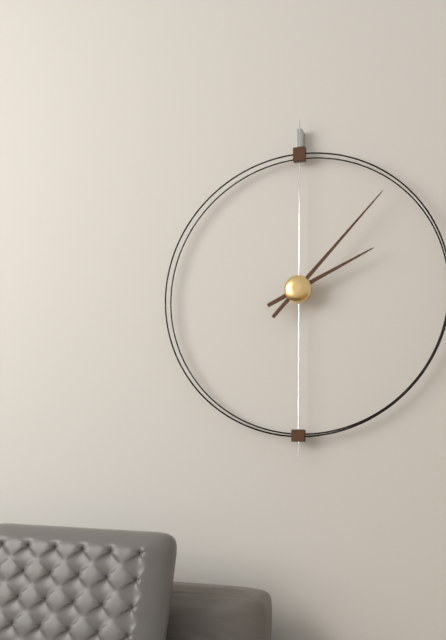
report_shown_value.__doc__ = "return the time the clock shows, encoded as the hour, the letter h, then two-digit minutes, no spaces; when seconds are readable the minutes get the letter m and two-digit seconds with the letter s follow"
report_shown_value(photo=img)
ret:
2h07
